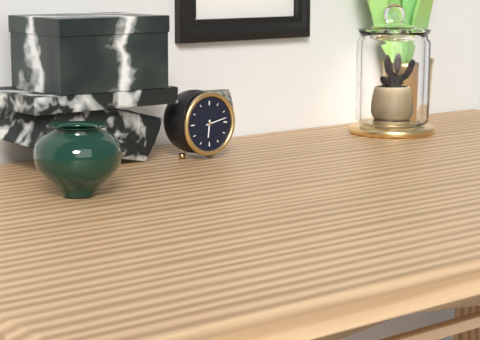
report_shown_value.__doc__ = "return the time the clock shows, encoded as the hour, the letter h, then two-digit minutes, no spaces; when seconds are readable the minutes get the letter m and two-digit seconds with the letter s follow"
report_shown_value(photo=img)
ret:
6h13
